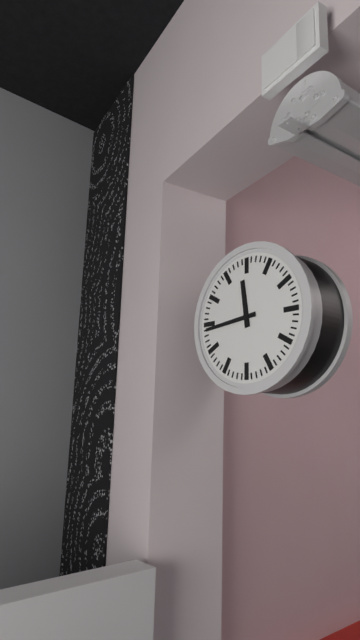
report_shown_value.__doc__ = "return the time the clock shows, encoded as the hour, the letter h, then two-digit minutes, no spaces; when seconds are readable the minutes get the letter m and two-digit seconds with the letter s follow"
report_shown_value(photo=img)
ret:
11h44
